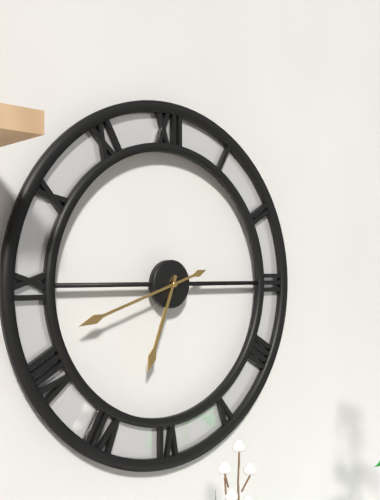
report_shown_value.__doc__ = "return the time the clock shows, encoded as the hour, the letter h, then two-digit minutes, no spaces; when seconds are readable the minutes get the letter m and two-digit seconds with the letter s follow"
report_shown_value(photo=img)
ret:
6h42
